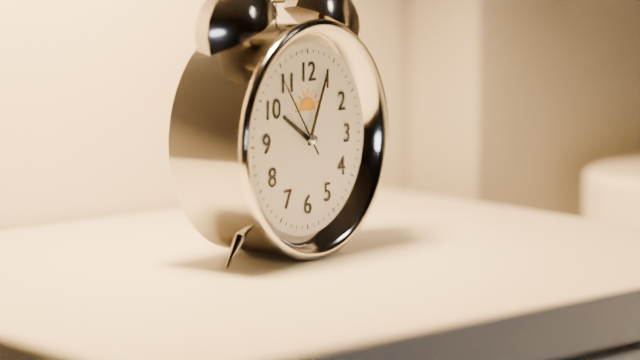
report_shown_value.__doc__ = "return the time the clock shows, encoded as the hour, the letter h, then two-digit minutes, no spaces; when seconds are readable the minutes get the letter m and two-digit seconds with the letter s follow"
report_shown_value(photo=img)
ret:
10h04m54s
